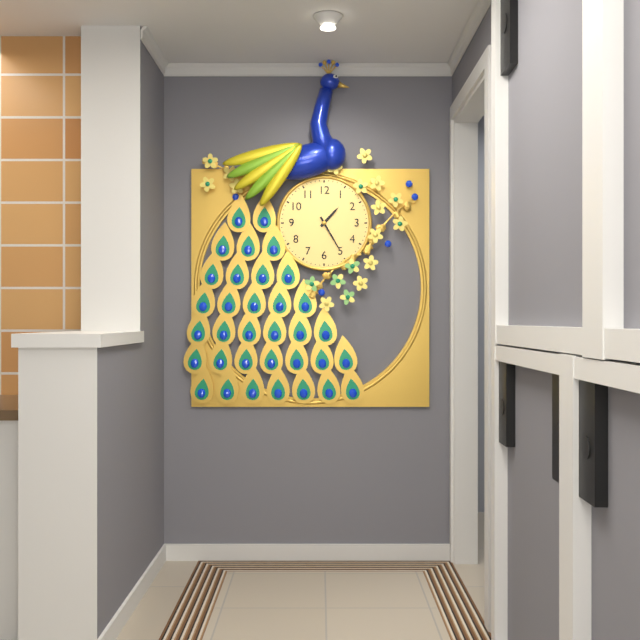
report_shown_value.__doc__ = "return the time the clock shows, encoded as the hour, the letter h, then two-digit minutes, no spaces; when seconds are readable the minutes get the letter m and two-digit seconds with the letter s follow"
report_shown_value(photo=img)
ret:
1h25
